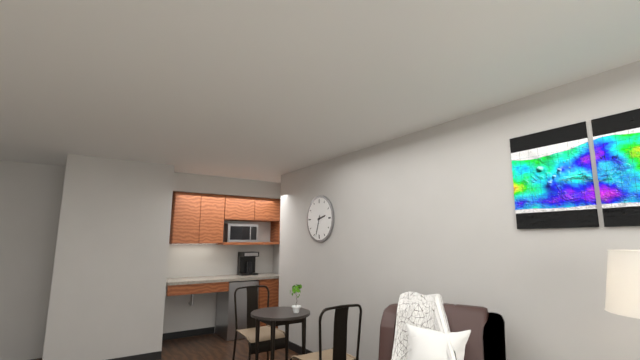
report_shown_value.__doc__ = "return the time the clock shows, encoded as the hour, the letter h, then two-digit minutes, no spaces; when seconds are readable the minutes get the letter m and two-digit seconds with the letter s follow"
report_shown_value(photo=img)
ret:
2h33
